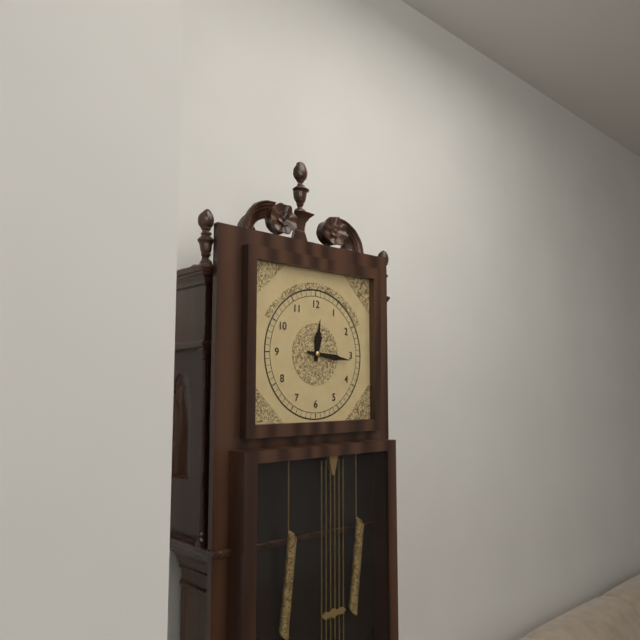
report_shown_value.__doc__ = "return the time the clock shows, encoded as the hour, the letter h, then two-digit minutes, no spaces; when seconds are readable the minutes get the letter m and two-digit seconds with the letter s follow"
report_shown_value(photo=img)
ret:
12h16
